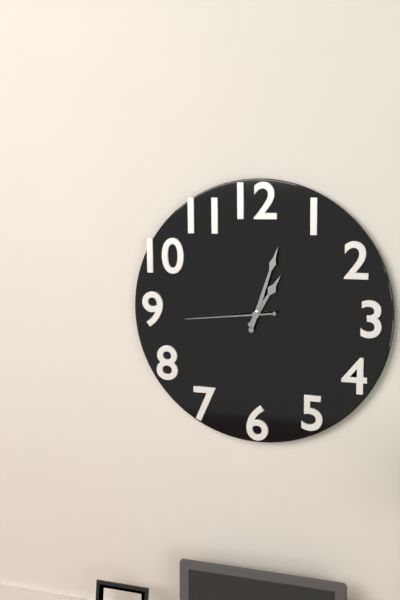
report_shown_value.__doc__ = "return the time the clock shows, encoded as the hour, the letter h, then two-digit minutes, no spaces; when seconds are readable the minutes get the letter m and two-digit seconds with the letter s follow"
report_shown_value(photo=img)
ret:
1h03m44s
